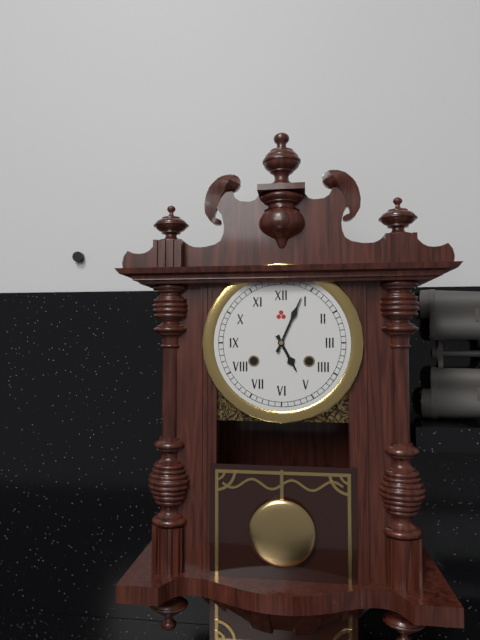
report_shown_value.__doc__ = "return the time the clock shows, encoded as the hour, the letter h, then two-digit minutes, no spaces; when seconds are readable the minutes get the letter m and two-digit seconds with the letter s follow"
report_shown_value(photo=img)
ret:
5h04
